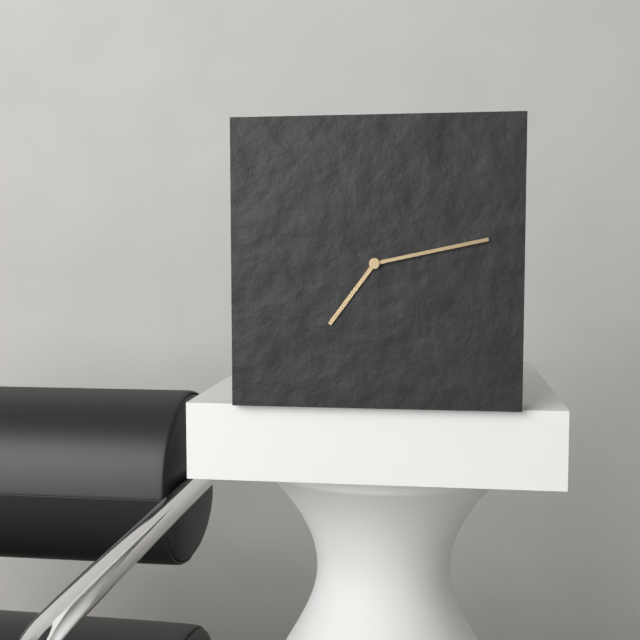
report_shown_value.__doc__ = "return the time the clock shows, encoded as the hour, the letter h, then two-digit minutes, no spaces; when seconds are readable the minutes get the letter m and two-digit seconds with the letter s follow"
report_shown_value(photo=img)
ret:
7h13
